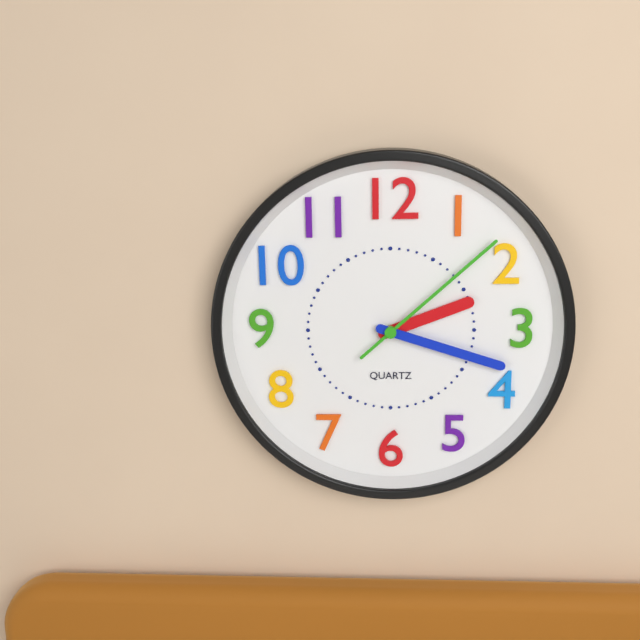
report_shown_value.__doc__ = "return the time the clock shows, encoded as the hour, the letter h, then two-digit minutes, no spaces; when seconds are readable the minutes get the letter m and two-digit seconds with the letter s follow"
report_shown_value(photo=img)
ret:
2h18m08s
